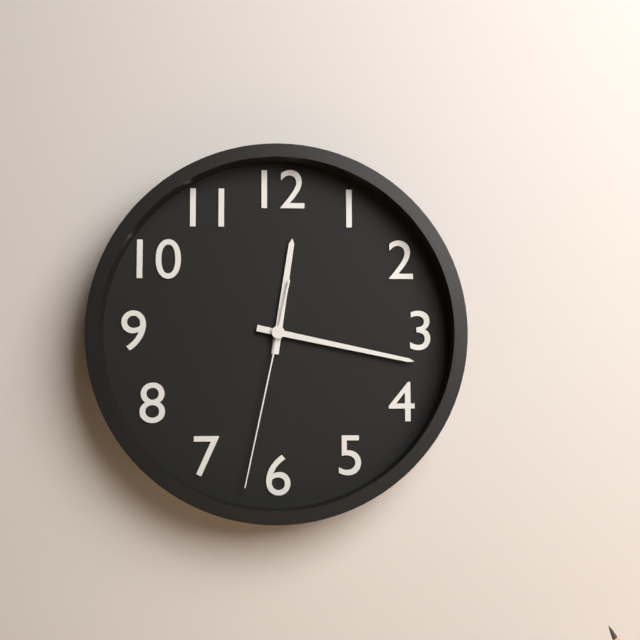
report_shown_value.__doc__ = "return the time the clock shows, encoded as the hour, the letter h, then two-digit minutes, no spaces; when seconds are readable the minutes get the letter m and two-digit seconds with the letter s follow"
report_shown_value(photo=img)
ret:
12h17m32s
